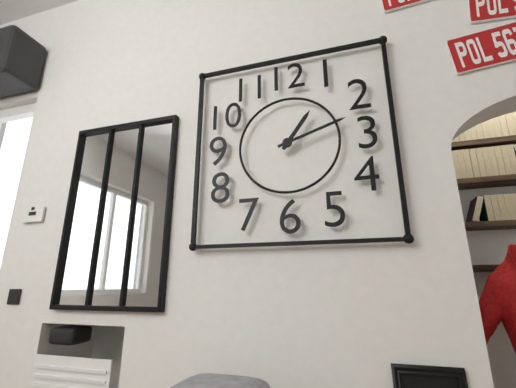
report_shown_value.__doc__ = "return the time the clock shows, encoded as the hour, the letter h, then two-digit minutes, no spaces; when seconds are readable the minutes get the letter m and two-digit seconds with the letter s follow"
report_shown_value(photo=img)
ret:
1h12
